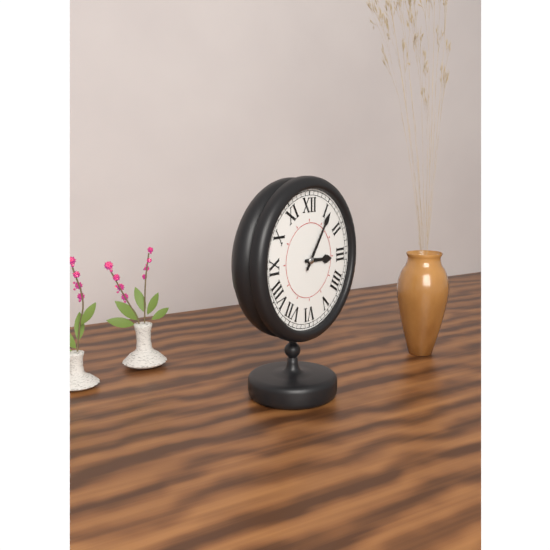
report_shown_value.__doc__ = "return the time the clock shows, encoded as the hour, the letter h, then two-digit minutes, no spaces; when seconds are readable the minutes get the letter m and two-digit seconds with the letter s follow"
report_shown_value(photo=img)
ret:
3h06
